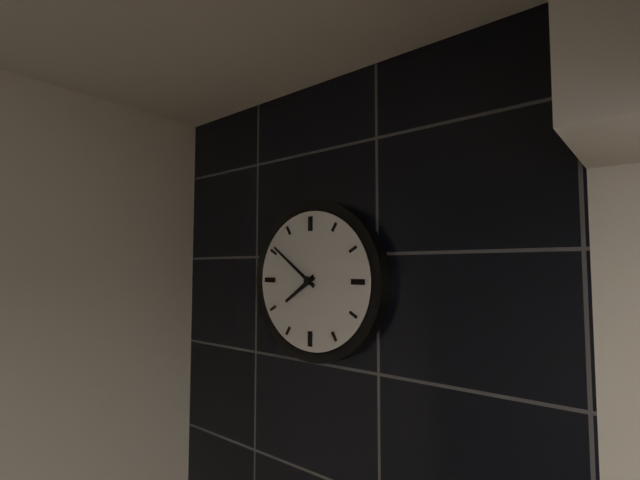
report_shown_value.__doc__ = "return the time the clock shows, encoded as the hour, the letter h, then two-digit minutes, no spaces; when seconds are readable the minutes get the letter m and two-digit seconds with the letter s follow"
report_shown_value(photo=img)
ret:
7h51
